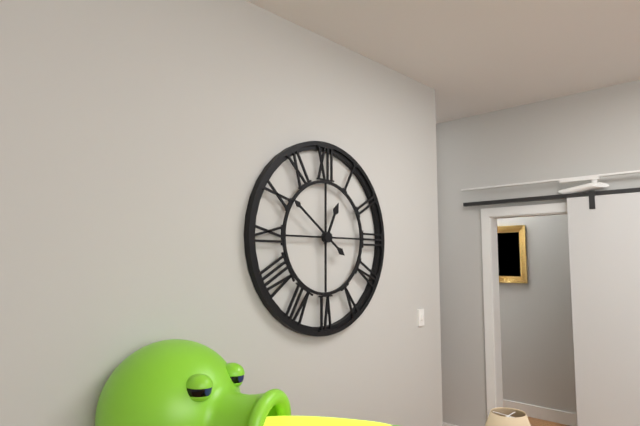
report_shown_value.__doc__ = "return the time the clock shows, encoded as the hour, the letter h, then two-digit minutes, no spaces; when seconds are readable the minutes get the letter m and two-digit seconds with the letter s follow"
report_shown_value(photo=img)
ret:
12h51
